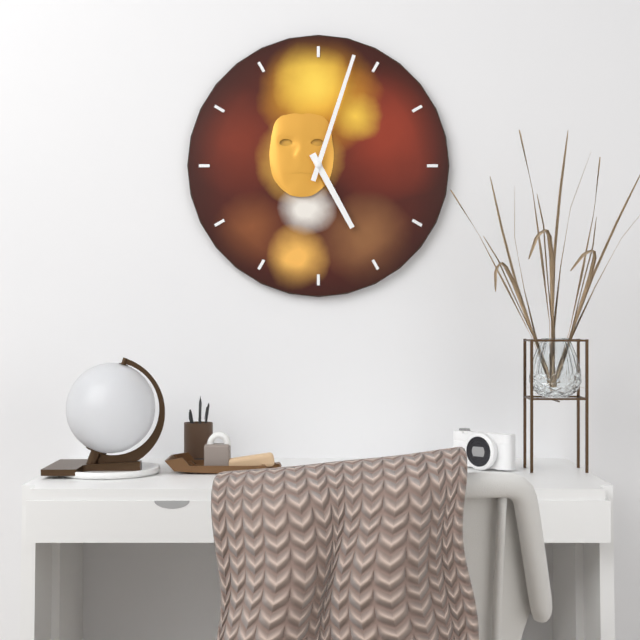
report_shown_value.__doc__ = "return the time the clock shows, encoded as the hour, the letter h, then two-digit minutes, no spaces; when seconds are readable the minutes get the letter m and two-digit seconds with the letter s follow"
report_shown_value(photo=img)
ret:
5h03
